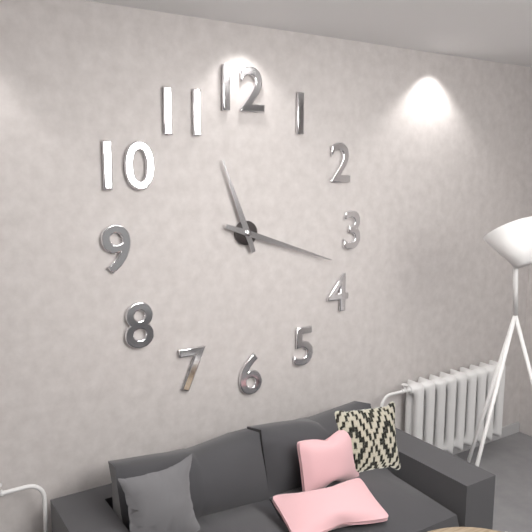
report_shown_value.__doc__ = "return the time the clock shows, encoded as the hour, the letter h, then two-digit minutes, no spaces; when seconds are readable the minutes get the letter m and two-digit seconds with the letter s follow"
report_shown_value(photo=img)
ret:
11h18
